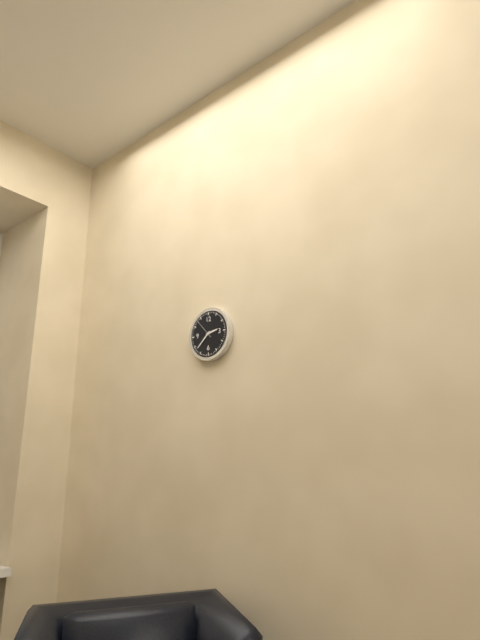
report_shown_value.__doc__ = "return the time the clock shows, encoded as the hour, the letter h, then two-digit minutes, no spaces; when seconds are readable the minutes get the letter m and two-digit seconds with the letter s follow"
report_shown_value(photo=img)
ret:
2h38
